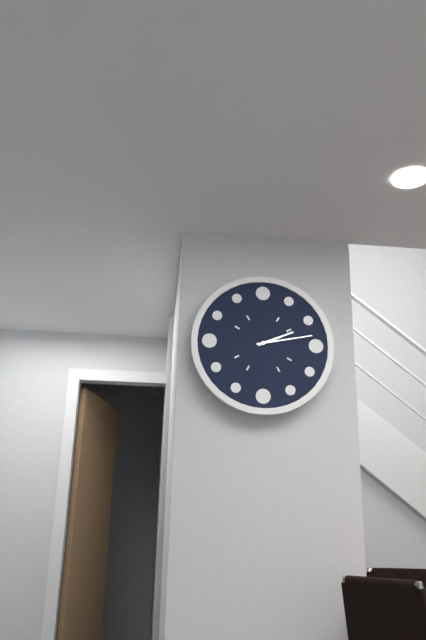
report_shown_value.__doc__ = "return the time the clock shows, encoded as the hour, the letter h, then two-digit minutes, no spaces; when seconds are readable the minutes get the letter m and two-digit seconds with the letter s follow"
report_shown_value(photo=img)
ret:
2h13
